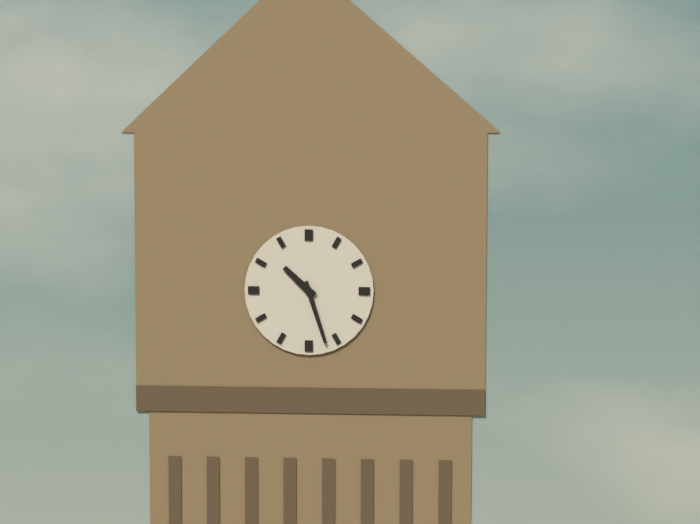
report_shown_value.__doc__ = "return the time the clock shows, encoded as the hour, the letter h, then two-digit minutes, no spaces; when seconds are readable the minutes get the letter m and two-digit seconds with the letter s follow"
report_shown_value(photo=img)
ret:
10h27
